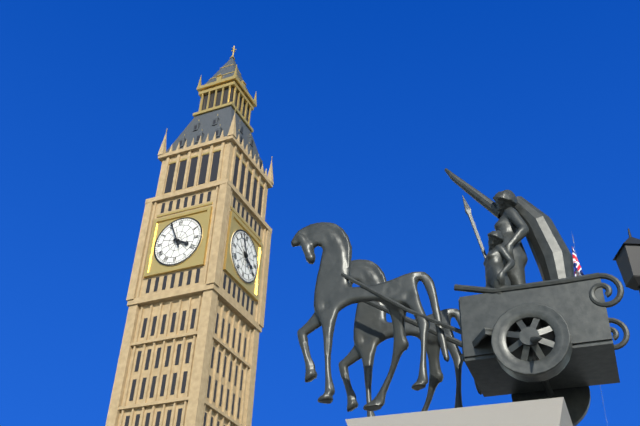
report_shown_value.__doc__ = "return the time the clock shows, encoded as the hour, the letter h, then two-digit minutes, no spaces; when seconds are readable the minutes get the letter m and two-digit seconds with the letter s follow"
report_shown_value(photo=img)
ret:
3h56
